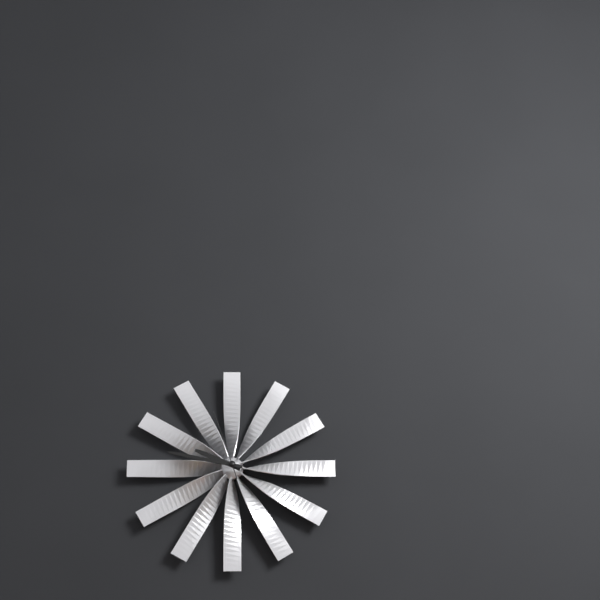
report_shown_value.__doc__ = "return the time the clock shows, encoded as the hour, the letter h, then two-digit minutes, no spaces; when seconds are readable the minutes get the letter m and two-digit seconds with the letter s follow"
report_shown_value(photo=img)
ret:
9h47m57s
